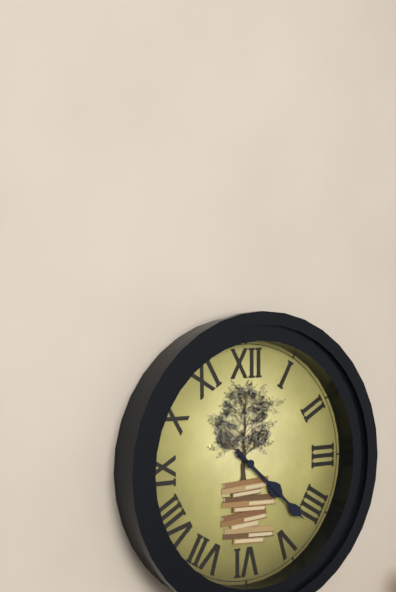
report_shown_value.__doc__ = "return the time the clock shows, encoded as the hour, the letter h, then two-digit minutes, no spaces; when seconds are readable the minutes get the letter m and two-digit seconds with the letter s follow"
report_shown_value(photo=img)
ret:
4h22
